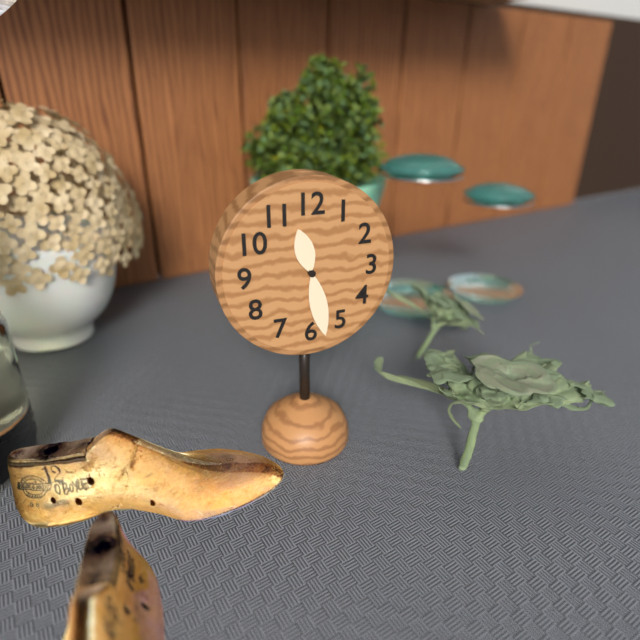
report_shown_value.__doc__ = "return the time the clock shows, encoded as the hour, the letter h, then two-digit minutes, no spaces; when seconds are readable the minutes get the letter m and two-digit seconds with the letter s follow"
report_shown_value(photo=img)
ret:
11h28
